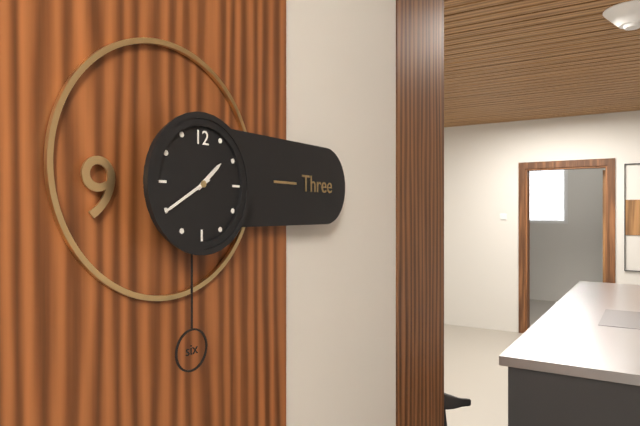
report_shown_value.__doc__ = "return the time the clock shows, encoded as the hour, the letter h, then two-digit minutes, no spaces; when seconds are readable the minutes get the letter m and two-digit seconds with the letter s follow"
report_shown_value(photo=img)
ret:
1h40
